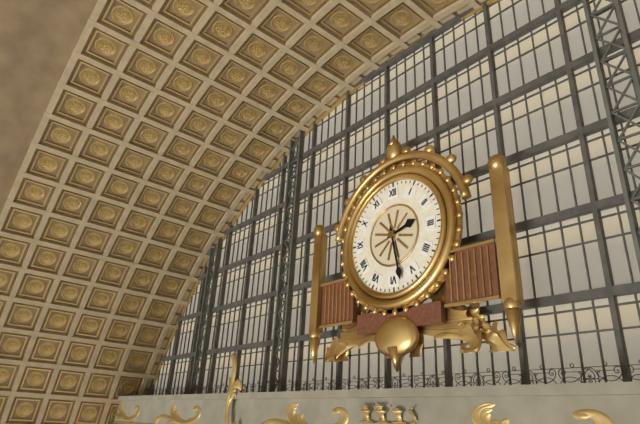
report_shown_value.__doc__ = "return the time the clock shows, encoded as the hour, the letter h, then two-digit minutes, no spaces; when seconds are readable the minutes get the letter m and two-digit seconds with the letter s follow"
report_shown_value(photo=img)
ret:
2h28
